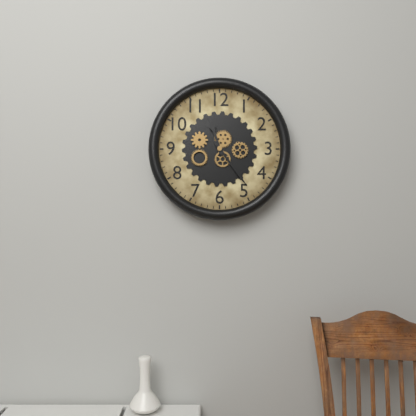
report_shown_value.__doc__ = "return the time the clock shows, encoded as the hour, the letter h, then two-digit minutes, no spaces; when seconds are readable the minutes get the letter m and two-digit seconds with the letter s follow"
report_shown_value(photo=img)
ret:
11h24
